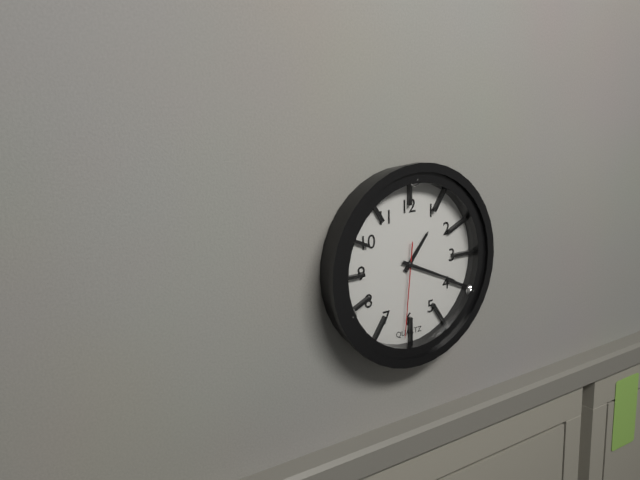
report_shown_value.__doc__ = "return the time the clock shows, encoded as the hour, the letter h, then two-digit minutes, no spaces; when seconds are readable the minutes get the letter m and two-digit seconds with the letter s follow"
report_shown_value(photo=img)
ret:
1h19m31s
